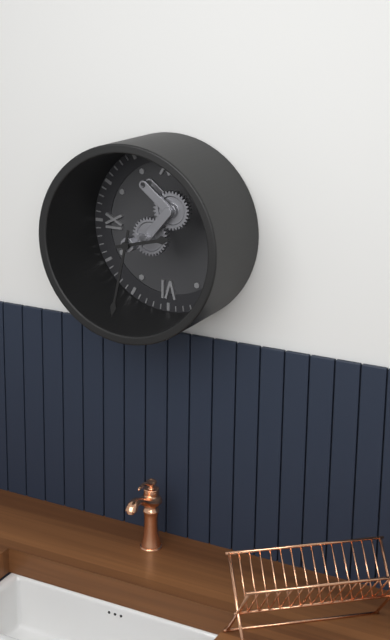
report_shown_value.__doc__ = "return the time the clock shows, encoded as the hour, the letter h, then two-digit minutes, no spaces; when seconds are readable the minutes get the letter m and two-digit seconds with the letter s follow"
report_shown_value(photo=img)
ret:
2h32
